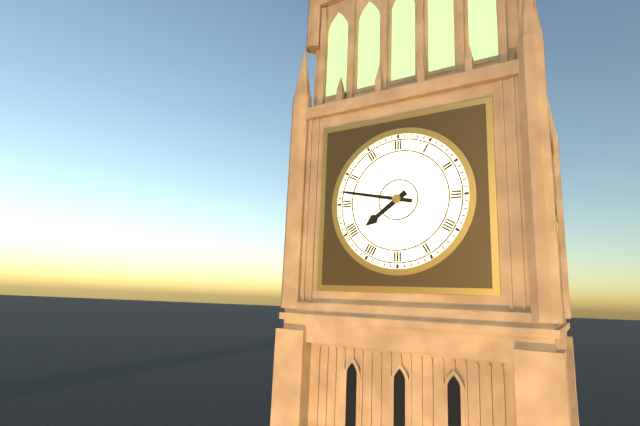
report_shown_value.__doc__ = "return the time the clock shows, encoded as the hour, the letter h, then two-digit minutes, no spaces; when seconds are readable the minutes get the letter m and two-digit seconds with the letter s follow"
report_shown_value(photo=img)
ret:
7h47
